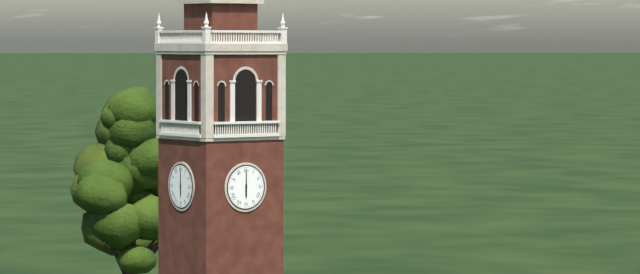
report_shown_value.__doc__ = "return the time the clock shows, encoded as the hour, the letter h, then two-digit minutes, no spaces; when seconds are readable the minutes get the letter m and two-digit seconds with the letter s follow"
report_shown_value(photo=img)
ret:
6h00
